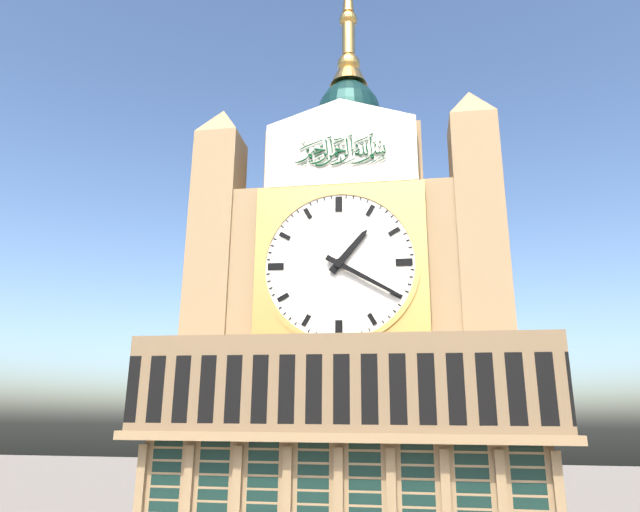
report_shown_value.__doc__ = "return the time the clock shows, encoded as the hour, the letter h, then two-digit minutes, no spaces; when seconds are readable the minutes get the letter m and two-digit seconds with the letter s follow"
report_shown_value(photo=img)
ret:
1h20
